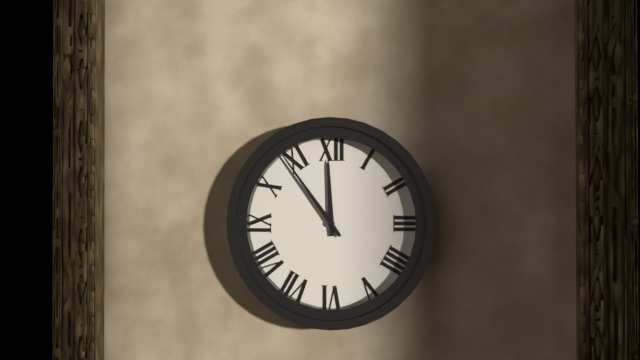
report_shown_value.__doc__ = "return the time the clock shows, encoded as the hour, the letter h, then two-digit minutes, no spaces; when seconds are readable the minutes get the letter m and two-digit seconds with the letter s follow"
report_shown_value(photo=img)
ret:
11h54
